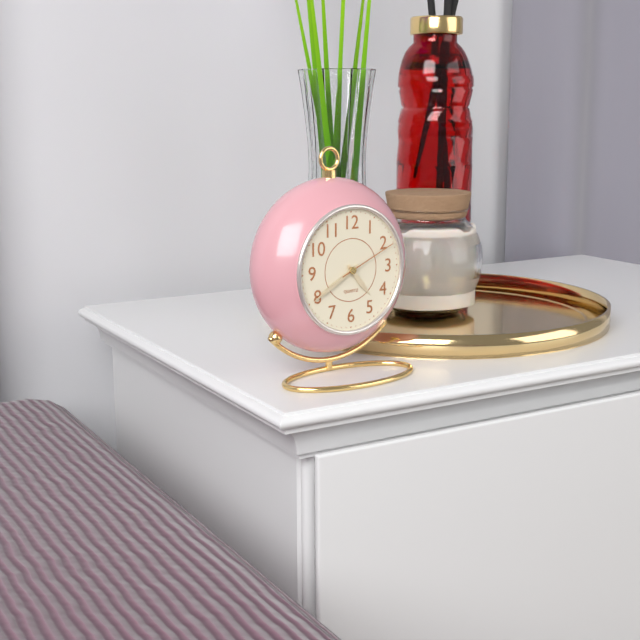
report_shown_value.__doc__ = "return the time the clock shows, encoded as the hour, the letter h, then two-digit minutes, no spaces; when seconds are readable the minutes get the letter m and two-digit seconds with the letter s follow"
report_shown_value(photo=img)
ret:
4h40m11s
